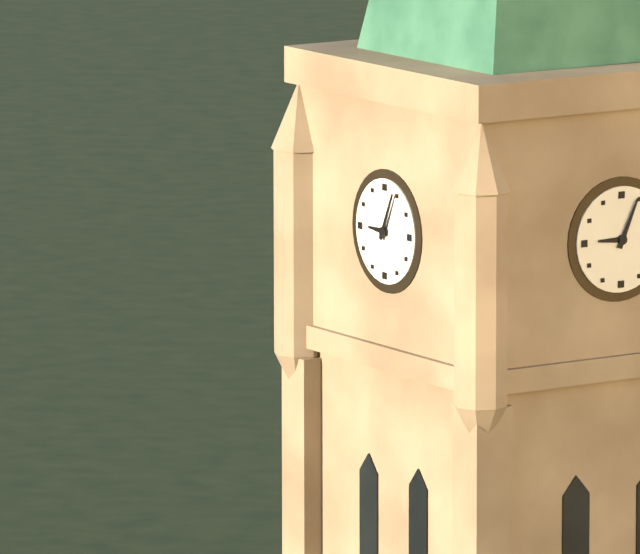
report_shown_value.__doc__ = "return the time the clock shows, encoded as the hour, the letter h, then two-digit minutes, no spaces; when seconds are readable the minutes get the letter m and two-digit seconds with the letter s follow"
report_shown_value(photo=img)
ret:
9h04
